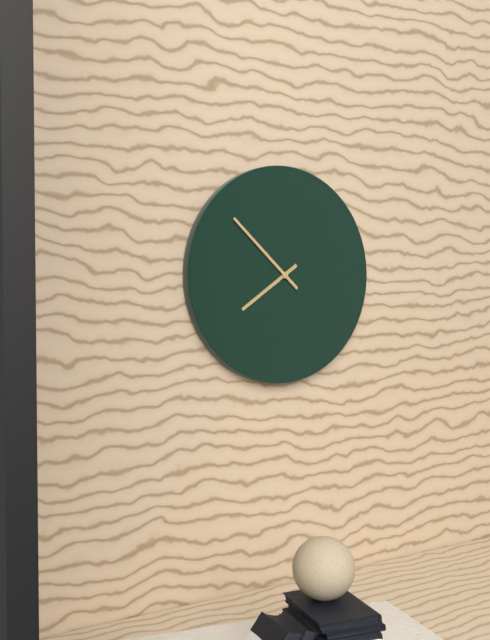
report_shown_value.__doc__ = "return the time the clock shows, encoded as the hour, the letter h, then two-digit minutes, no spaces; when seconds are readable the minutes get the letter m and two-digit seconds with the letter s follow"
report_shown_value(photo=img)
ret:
7h52
